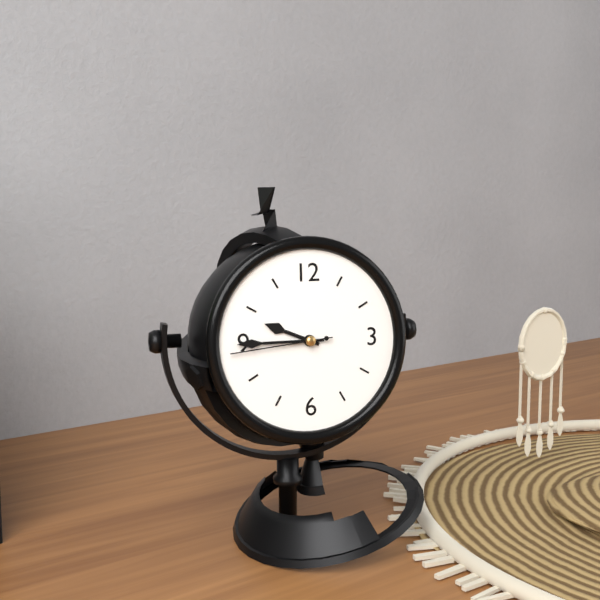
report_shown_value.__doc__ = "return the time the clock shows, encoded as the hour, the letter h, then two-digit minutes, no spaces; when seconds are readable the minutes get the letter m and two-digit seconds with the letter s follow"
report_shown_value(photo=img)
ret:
9h45m44s
